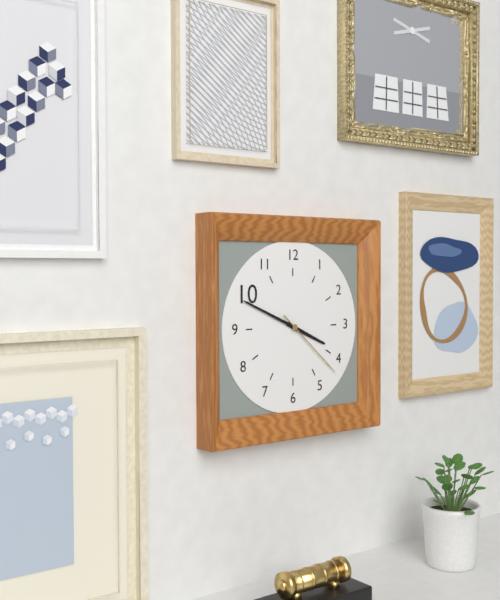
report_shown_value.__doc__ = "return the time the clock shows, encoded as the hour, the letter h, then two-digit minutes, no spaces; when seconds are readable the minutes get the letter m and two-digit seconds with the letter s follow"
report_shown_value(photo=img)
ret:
3h49m22s
